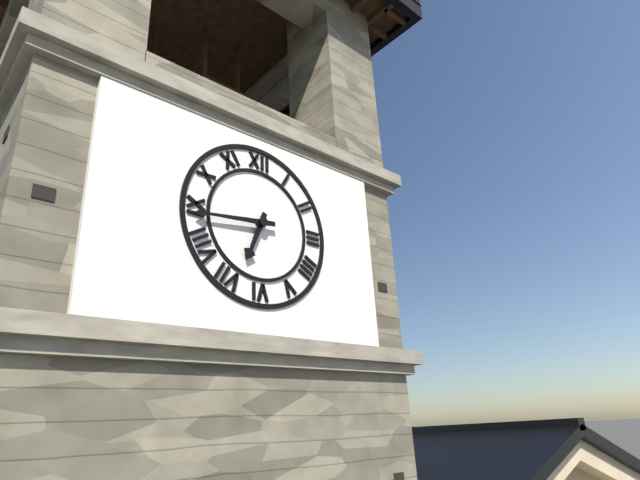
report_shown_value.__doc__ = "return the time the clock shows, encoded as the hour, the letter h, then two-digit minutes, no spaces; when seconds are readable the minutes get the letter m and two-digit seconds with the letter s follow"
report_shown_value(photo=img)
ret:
6h44
